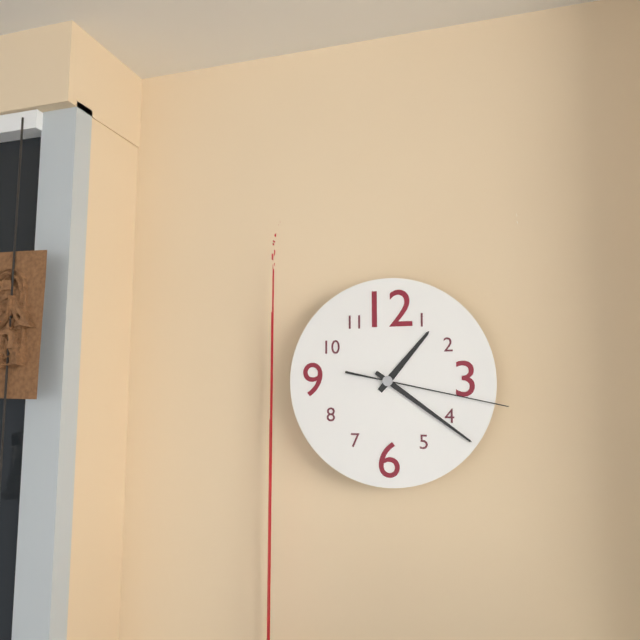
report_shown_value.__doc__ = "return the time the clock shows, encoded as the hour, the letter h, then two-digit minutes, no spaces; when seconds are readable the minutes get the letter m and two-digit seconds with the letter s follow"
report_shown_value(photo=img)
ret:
1h21m17s
